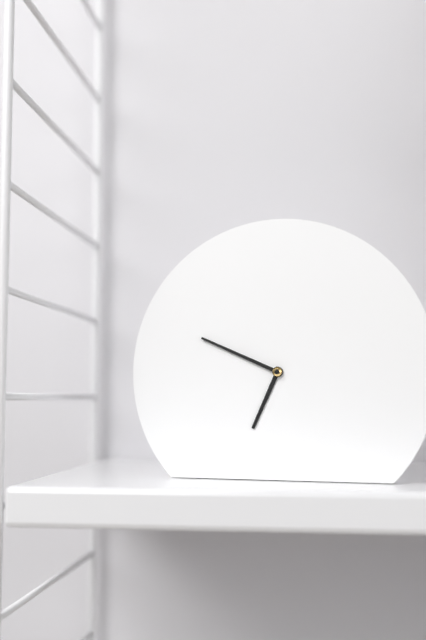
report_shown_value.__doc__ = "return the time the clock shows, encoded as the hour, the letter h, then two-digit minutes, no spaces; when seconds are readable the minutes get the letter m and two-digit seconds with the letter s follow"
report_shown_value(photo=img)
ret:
6h49
